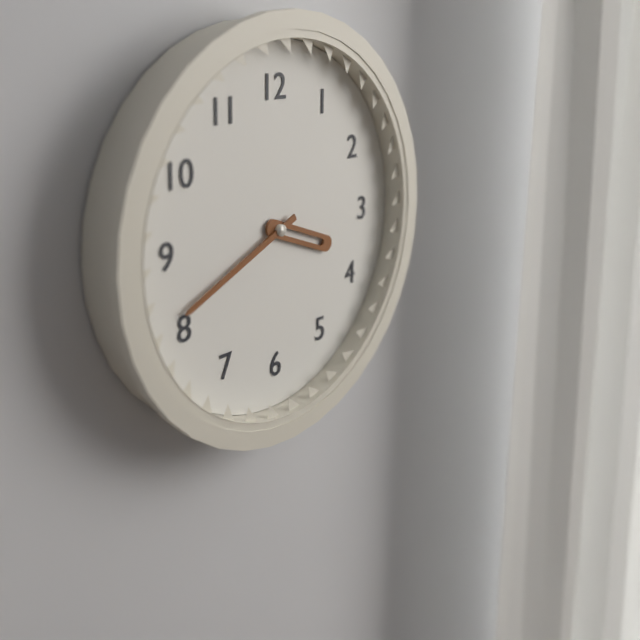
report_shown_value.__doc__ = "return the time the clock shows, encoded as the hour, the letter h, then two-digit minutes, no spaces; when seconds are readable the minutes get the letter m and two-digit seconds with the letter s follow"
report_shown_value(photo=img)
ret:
3h41
